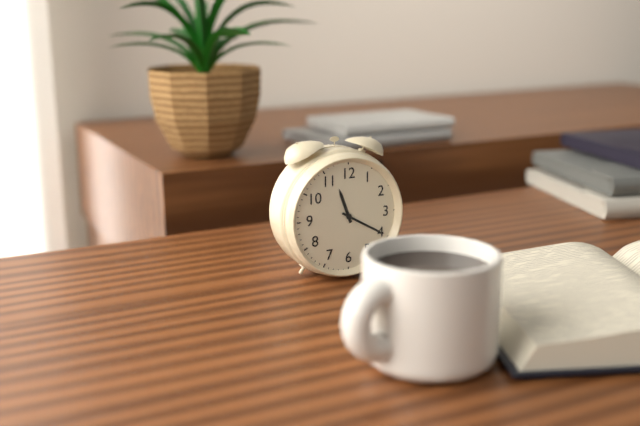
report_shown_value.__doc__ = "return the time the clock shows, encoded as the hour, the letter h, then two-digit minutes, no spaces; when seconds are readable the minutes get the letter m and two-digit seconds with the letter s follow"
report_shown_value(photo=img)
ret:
11h20
